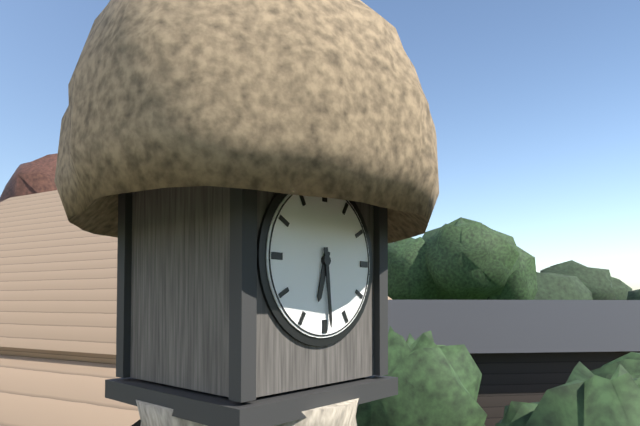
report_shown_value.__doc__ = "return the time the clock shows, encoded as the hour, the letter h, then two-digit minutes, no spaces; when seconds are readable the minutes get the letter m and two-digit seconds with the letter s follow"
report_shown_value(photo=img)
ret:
6h29
